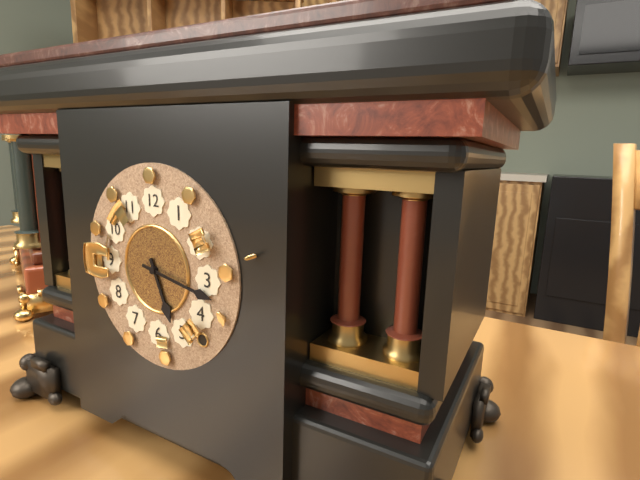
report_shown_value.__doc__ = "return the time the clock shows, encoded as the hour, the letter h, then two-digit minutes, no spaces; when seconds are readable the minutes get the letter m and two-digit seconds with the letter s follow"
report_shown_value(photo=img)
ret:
5h17
